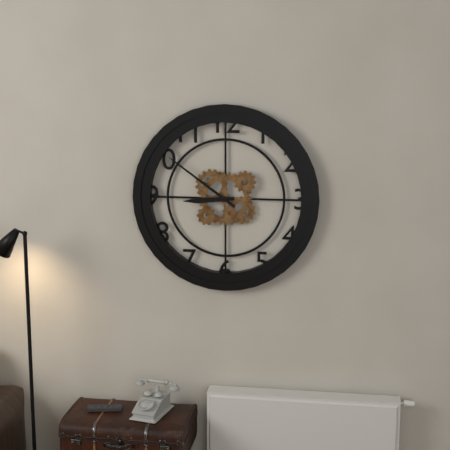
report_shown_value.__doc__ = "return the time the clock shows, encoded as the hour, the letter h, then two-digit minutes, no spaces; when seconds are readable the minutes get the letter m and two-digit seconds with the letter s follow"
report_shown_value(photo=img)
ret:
8h51
